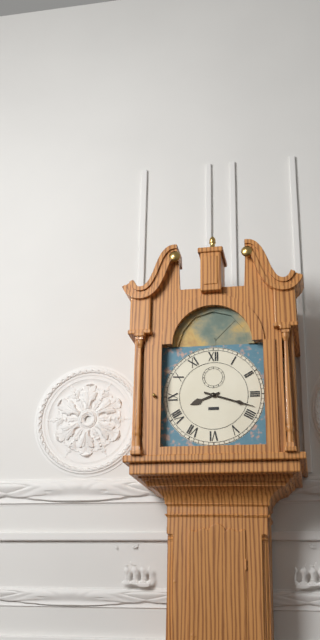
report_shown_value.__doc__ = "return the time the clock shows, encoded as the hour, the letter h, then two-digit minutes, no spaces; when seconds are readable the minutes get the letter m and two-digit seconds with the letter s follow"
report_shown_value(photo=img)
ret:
8h18
